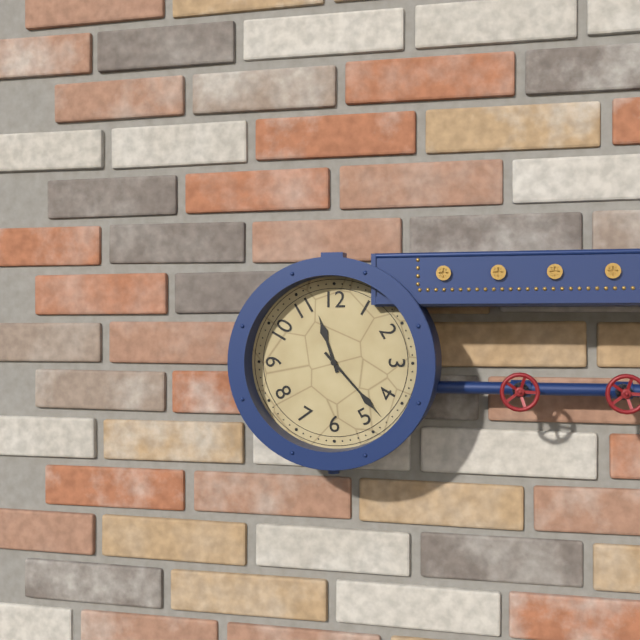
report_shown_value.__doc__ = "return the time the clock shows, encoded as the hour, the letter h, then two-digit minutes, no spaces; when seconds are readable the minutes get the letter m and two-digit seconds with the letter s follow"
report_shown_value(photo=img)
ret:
11h23
